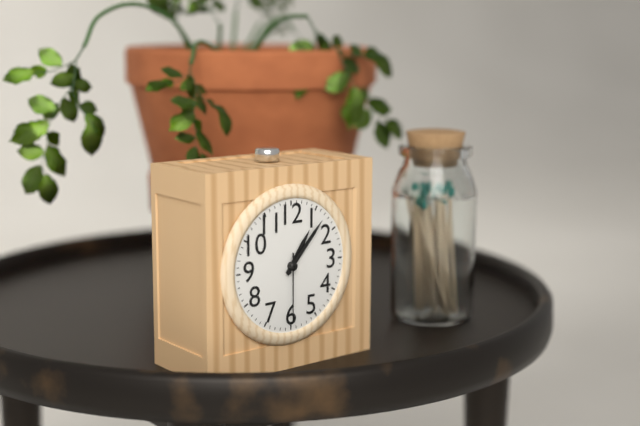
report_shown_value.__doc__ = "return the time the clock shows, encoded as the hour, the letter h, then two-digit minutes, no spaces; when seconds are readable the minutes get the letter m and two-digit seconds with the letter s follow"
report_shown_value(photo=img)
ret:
1h07m30s
